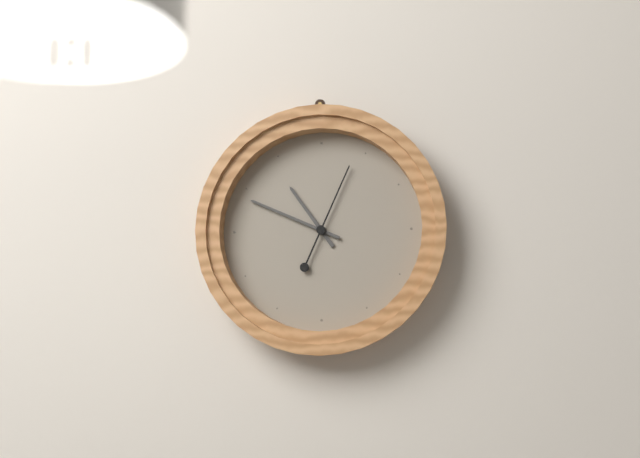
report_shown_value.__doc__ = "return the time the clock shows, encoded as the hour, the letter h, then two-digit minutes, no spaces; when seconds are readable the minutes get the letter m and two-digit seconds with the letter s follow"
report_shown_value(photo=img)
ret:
10h49m04s
